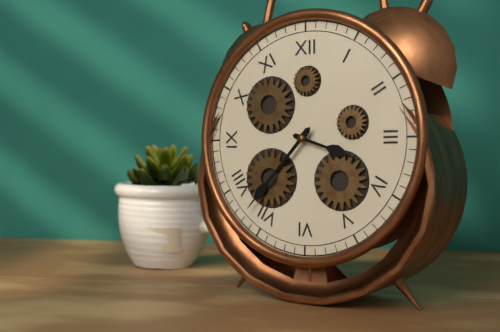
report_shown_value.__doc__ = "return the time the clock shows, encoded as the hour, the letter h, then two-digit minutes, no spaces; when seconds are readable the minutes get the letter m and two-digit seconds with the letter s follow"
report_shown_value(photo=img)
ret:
3h37
